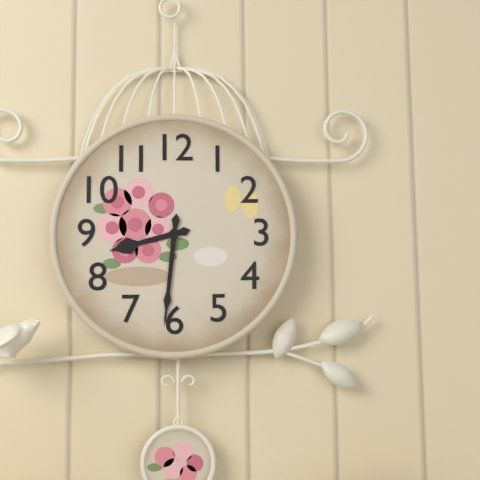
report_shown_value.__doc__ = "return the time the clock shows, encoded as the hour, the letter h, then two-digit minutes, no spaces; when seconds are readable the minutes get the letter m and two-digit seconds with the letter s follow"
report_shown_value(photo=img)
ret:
8h31
